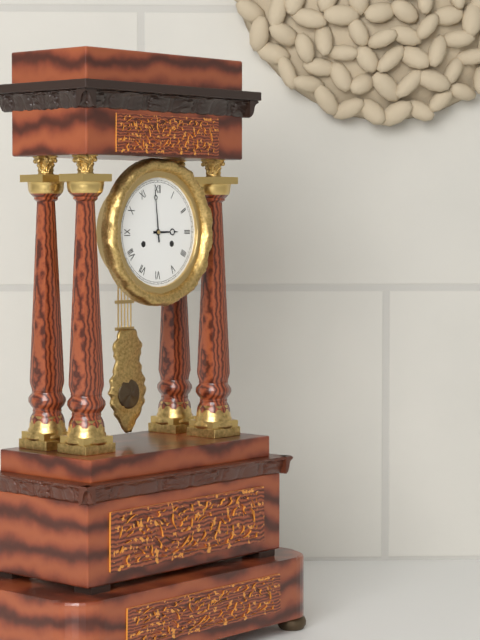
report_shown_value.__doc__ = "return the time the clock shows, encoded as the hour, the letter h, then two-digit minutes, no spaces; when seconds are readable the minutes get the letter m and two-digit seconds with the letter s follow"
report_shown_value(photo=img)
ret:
2h59
